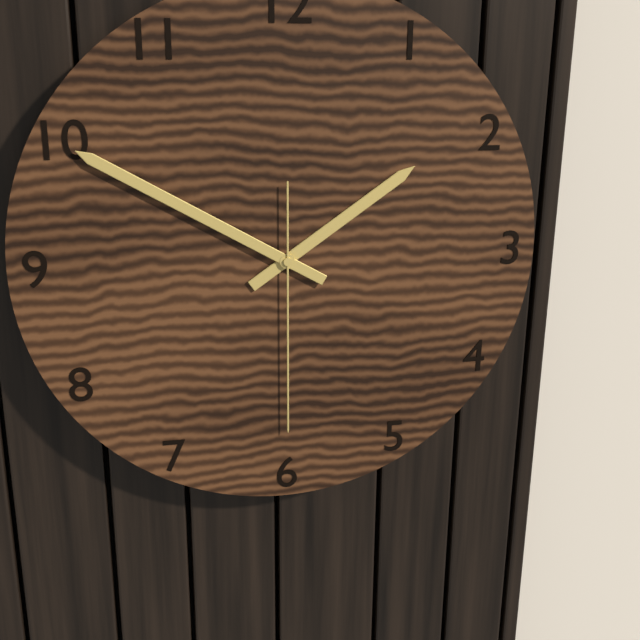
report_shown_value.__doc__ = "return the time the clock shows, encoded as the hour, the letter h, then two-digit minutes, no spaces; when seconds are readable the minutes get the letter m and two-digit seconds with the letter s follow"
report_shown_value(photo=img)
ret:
1h50m30s
